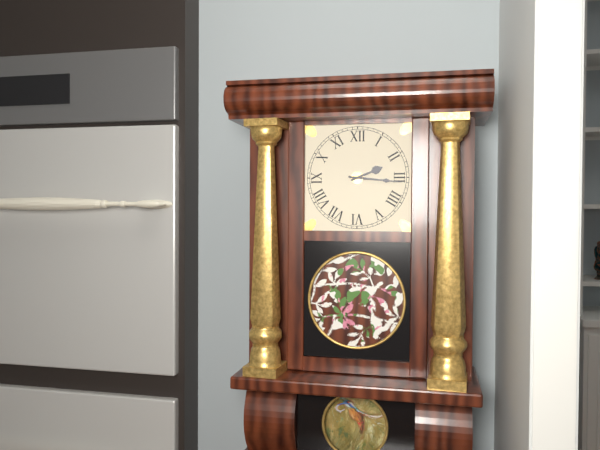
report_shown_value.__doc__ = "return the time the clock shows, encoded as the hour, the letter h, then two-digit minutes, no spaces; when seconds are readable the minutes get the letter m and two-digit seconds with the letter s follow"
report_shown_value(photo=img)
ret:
2h16
